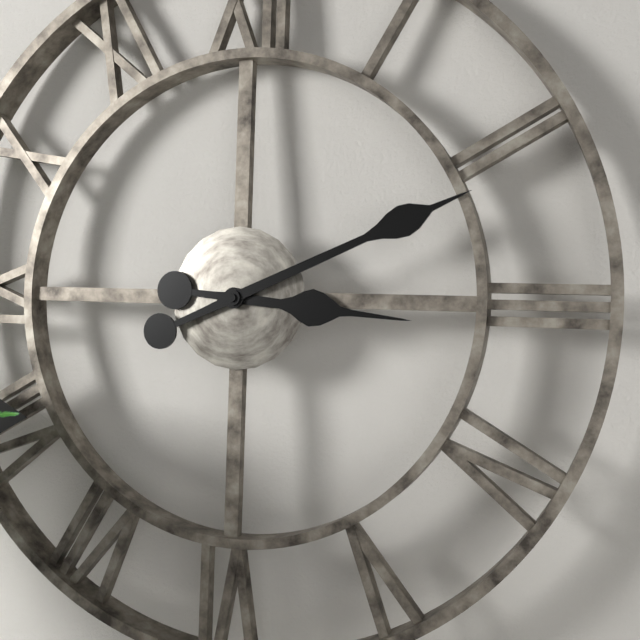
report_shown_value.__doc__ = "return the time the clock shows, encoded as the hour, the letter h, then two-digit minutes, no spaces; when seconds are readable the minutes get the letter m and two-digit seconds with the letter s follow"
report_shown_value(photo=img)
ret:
3h11
